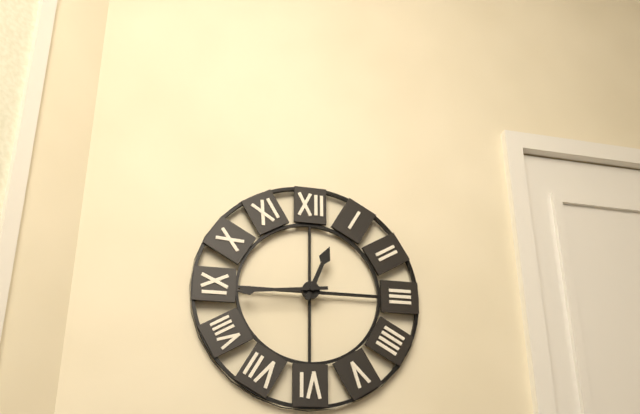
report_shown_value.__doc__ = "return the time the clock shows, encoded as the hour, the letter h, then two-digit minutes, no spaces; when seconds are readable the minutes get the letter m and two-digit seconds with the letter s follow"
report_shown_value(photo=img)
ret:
12h44
